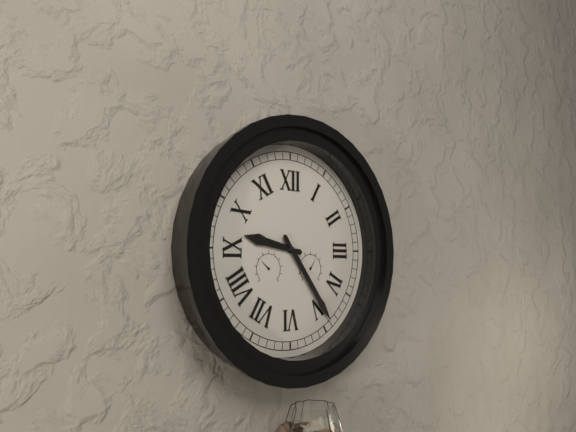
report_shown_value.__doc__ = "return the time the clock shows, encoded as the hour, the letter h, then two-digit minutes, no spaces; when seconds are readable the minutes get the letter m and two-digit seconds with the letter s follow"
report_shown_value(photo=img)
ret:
9h24
